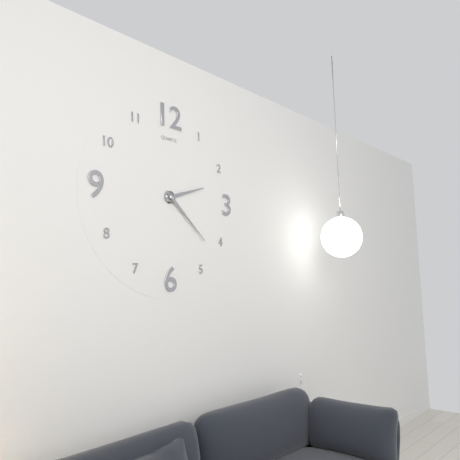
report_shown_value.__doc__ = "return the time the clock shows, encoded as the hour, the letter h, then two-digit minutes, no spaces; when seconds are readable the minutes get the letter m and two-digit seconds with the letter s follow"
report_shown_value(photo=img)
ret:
2h22
